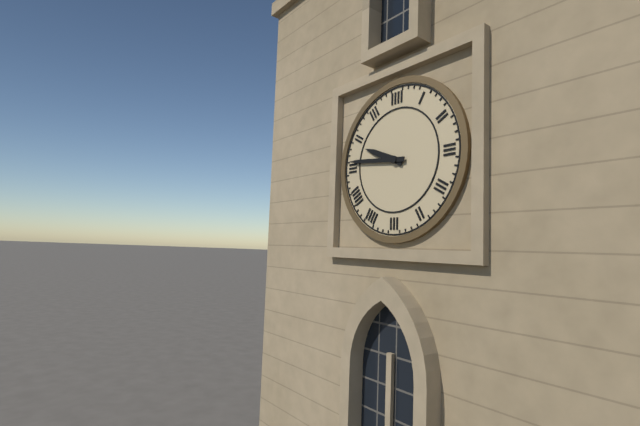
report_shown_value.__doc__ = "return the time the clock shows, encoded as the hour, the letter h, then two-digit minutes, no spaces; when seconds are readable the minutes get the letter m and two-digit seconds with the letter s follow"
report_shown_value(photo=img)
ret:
9h46
